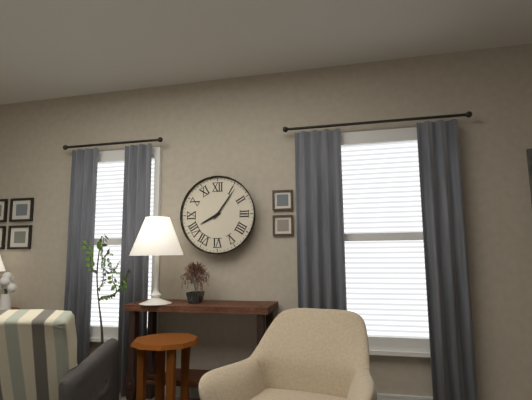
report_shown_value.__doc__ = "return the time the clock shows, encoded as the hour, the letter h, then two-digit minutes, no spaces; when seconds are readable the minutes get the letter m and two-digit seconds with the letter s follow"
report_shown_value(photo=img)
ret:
8h06
